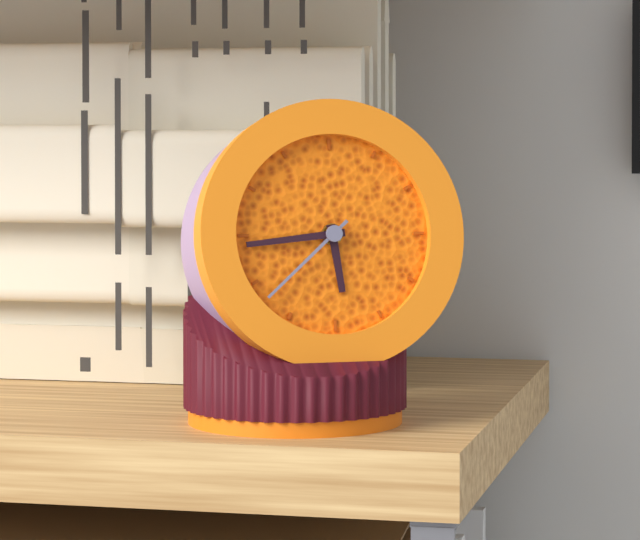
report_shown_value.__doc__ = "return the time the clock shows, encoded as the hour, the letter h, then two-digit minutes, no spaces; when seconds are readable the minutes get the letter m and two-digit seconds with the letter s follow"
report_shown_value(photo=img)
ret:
5h44m38s
